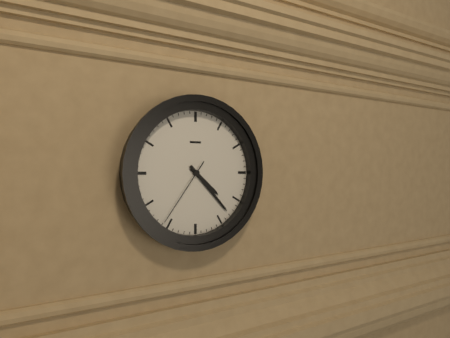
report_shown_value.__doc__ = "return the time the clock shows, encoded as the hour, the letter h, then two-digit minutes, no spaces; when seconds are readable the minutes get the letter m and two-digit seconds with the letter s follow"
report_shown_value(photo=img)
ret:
4h23m36s
